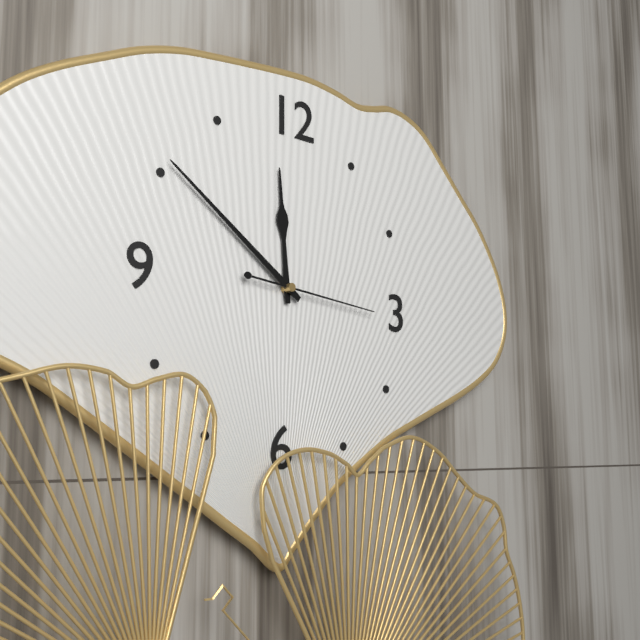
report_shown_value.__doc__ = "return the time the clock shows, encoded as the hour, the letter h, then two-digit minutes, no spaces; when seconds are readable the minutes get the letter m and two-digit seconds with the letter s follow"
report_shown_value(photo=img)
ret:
11h51m16s
